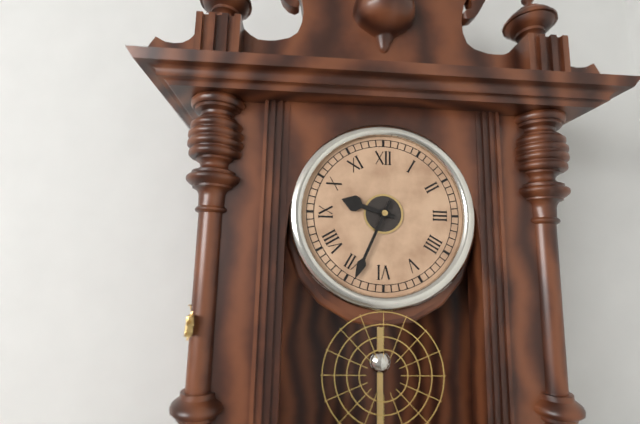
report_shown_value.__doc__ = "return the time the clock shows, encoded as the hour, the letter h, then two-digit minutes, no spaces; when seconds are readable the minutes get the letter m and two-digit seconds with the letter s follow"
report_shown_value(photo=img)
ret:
9h34
